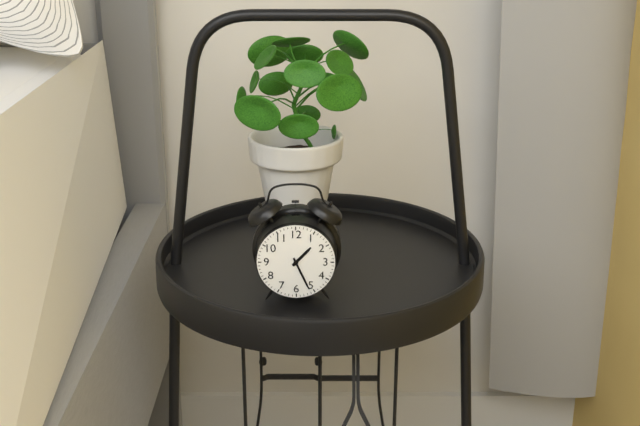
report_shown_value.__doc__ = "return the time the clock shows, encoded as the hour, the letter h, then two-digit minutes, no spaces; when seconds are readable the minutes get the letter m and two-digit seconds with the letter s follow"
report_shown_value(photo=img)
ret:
1h26
